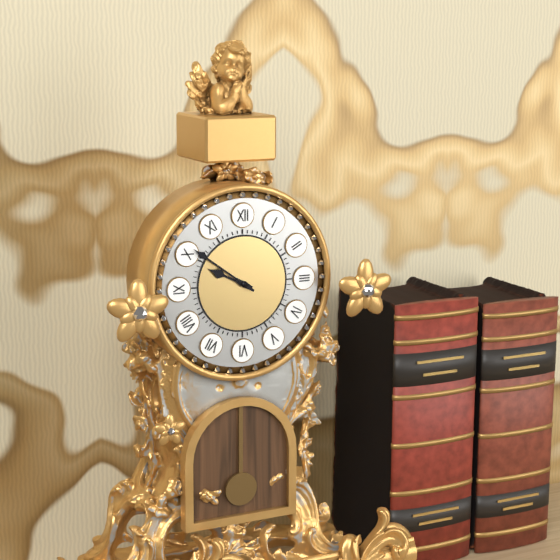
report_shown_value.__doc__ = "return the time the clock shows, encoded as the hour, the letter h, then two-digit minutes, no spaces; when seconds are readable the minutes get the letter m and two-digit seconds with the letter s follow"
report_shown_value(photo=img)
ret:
9h51
